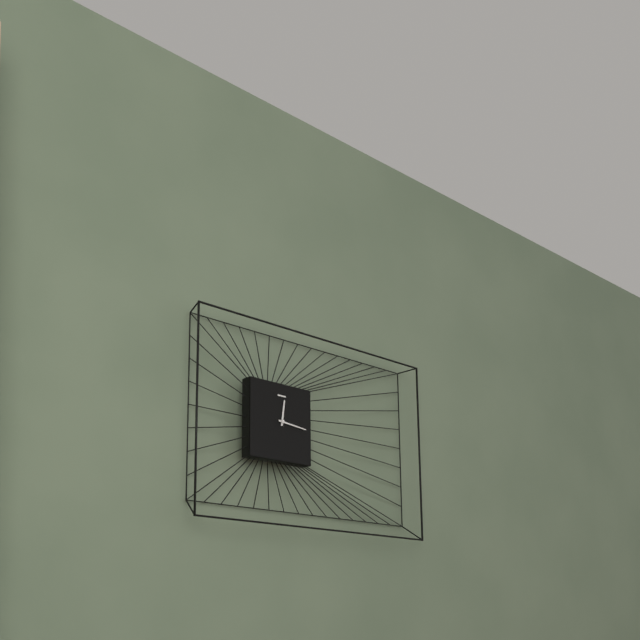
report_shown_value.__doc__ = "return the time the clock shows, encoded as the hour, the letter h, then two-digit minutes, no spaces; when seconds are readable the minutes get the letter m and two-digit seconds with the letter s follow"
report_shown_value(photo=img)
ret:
12h16
